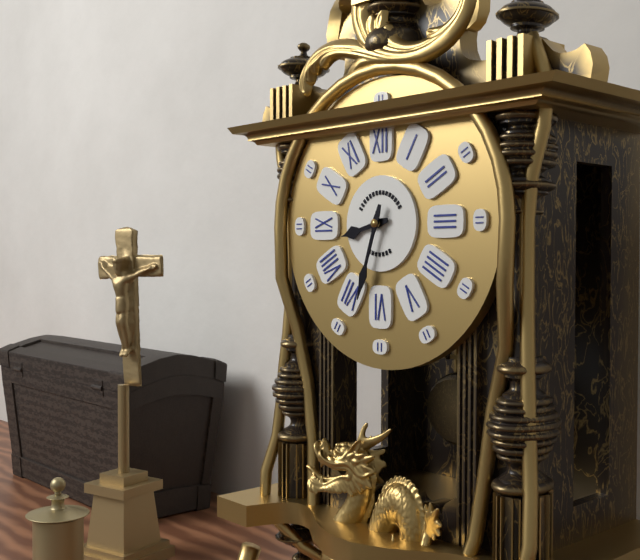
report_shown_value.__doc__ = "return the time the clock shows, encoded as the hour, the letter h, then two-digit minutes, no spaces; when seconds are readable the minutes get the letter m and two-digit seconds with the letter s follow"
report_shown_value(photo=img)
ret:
8h33
